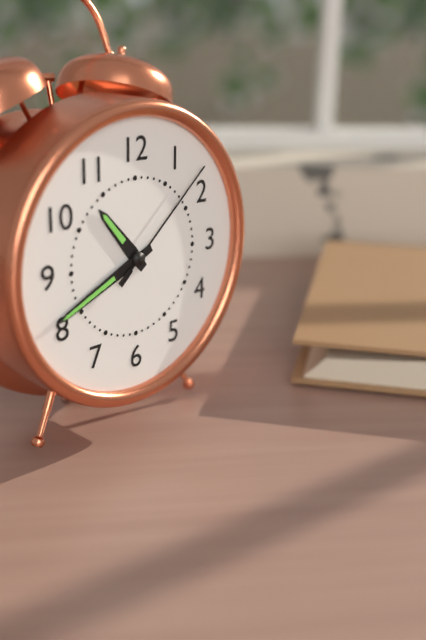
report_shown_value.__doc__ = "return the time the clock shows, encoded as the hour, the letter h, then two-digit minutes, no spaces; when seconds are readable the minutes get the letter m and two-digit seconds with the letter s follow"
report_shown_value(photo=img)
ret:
10h41m08s
